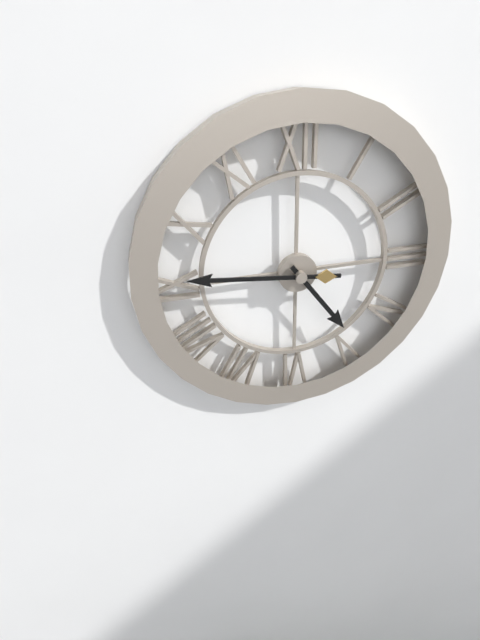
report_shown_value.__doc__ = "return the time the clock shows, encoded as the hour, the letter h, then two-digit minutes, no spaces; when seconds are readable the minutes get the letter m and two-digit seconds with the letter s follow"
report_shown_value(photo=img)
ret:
4h46
